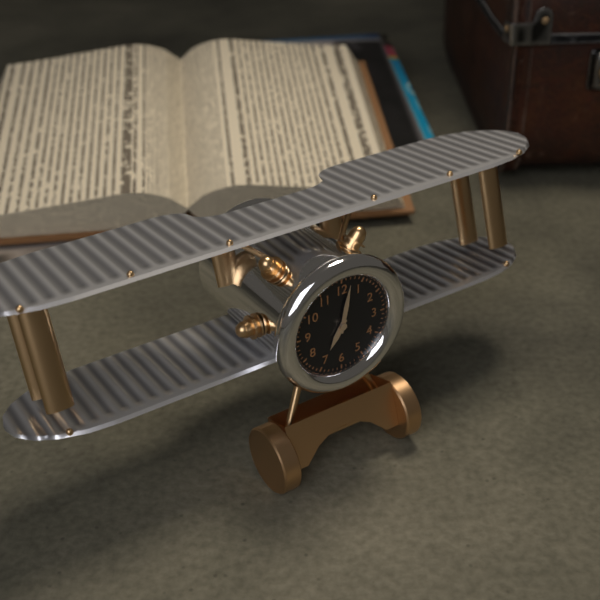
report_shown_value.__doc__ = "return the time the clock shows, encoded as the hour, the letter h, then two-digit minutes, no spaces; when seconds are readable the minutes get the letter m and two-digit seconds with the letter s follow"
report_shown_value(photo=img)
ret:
7h02
